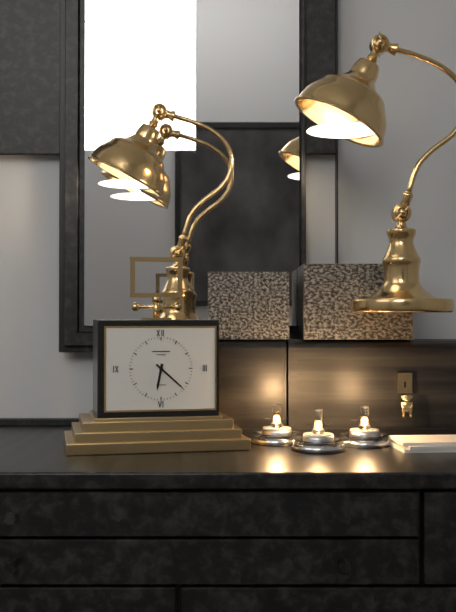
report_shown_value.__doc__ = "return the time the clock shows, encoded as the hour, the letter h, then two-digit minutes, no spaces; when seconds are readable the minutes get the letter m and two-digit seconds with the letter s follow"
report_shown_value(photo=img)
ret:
6h22
